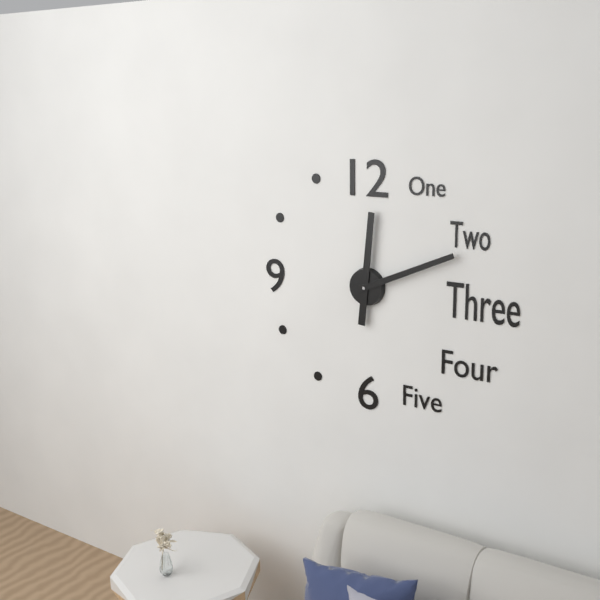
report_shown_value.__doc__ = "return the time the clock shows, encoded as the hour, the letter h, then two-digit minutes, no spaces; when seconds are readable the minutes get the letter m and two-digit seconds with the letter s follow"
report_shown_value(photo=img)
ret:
12h11
